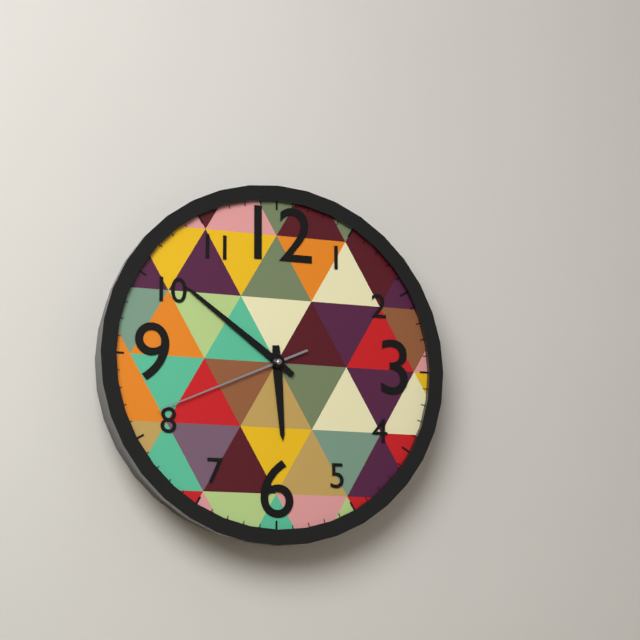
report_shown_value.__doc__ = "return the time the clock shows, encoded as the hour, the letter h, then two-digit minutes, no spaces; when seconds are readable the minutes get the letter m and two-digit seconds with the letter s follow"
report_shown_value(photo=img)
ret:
5h51m41s
